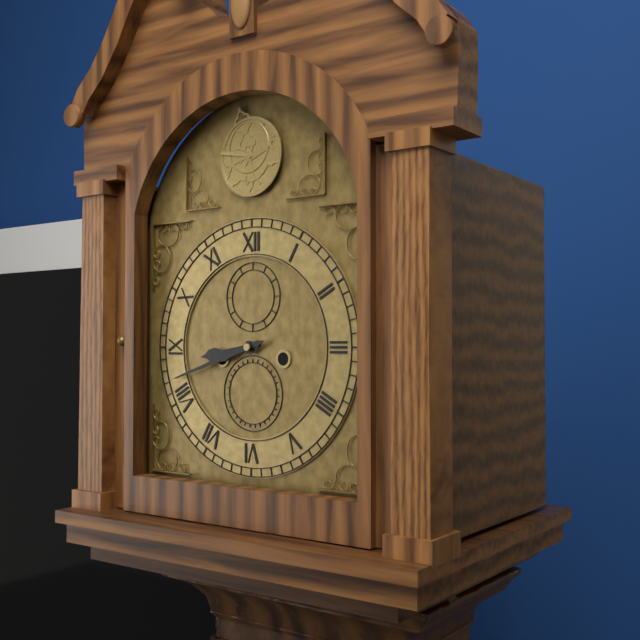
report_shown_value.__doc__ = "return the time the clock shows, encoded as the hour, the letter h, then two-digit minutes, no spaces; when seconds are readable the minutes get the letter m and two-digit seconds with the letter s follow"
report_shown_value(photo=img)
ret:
8h42
